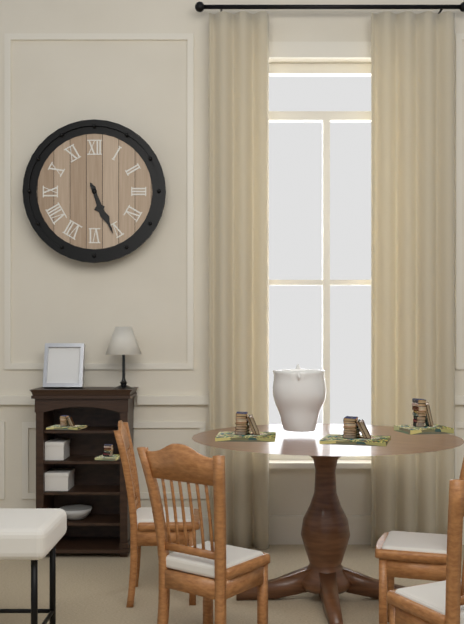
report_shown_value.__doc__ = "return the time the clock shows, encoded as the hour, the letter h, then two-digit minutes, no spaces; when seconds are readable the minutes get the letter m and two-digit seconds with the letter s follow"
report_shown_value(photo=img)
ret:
5h26
